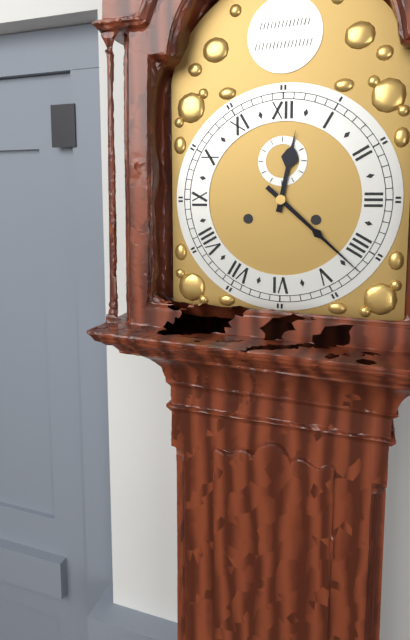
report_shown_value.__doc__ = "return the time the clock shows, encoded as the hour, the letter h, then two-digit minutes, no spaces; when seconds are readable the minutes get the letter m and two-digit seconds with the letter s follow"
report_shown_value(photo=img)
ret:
12h22
